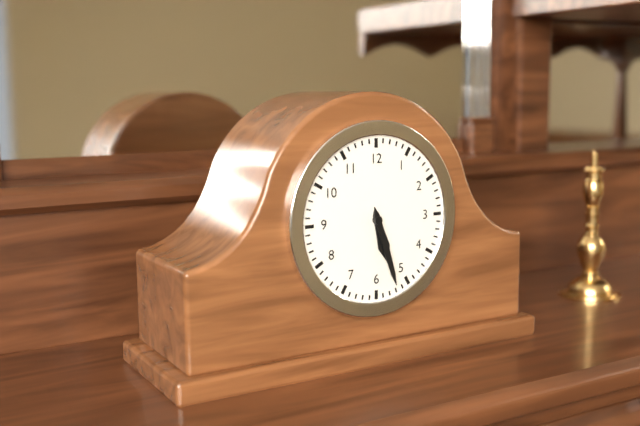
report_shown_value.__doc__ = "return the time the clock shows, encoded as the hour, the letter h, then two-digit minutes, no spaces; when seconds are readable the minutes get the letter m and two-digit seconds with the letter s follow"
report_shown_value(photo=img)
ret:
5h27
